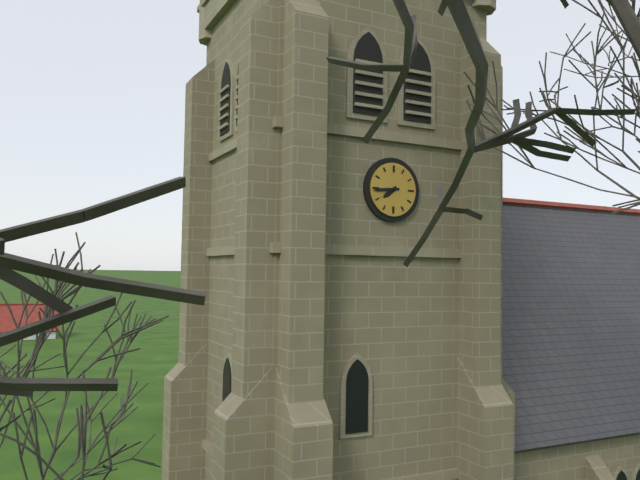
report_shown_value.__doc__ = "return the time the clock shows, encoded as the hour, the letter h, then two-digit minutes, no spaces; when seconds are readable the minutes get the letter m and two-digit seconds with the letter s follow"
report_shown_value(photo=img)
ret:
7h44
